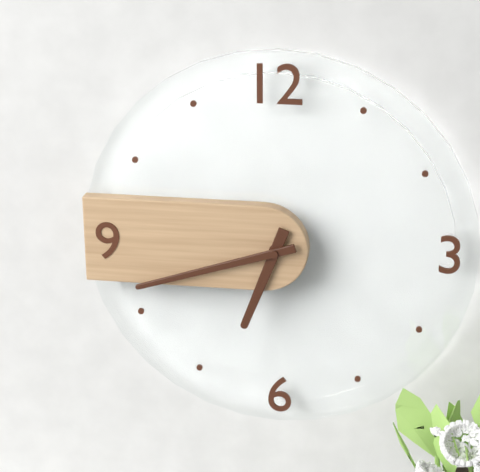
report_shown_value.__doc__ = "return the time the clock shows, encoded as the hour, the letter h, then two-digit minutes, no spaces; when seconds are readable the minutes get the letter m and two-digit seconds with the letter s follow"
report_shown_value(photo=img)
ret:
6h42
